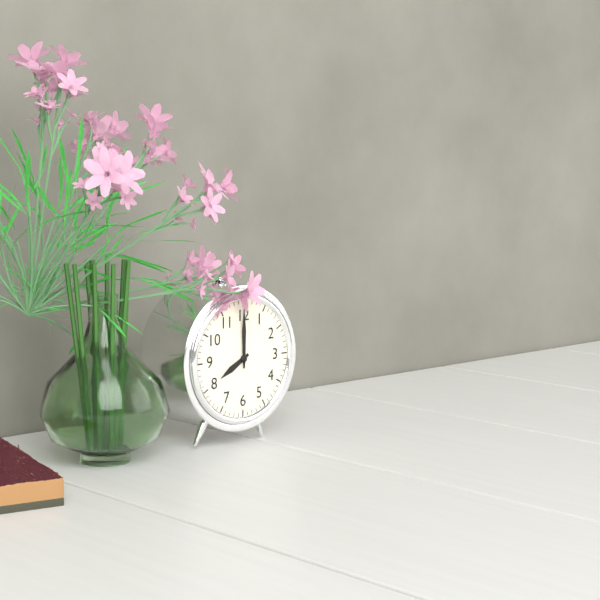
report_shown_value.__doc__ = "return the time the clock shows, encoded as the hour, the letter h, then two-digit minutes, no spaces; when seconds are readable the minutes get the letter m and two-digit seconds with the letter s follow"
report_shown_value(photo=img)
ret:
8h00
